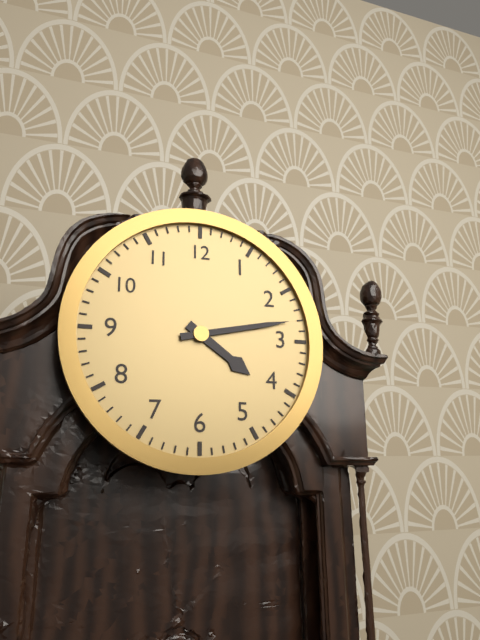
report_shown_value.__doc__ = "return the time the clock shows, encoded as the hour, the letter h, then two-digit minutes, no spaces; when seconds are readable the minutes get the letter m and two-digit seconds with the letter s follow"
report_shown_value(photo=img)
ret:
4h13
